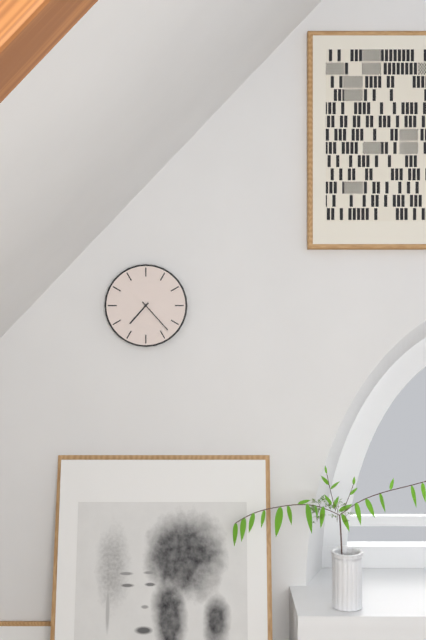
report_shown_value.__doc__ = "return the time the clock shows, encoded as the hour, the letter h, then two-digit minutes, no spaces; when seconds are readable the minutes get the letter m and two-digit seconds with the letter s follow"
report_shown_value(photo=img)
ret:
7h23
